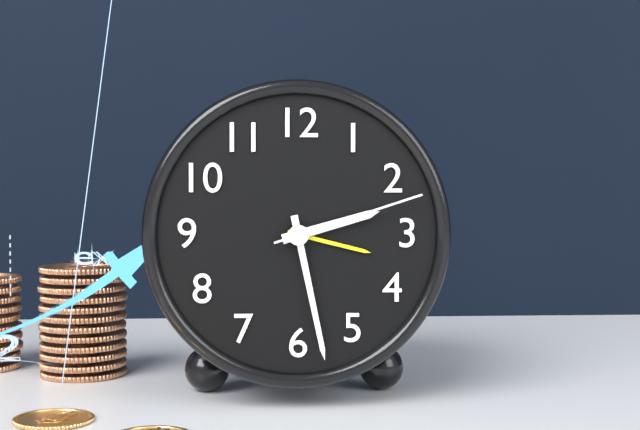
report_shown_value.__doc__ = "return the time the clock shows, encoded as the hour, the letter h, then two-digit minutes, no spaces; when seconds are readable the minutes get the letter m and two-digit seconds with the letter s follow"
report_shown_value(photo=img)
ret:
2h28m12s
